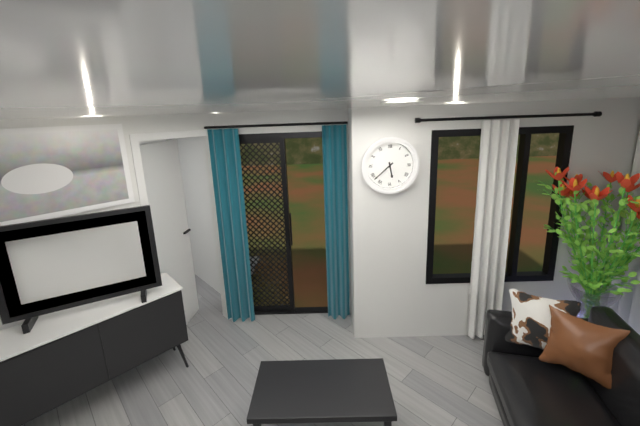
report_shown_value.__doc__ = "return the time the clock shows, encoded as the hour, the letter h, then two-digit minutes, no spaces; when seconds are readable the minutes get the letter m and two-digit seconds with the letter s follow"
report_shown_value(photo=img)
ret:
5h38
